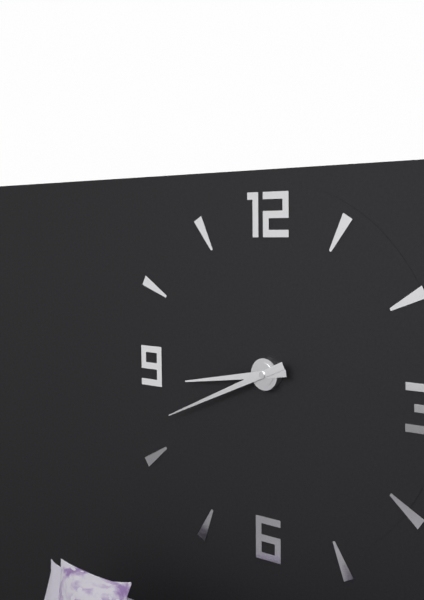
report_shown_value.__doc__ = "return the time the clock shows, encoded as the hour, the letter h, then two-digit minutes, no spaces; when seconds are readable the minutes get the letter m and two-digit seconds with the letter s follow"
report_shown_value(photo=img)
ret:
8h41
